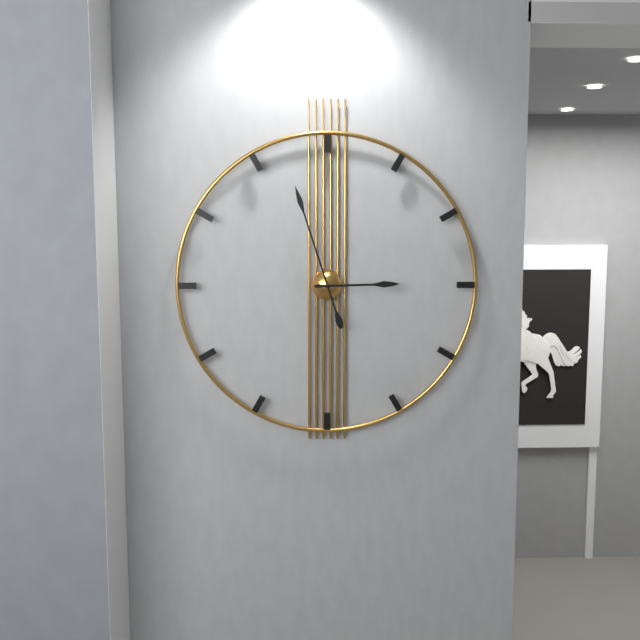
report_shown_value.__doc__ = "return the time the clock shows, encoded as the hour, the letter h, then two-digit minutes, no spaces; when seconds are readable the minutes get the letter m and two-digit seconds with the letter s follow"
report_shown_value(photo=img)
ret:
2h57
